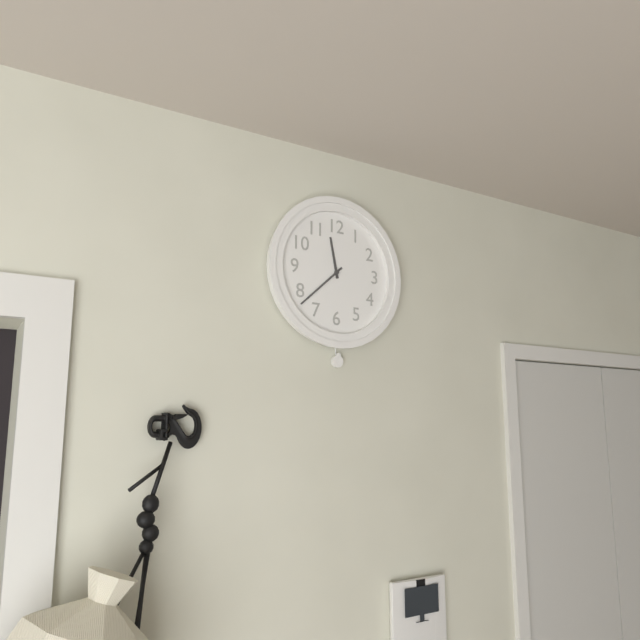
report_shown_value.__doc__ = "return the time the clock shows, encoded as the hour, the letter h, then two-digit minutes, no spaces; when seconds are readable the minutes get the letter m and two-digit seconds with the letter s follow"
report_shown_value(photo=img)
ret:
11h38
